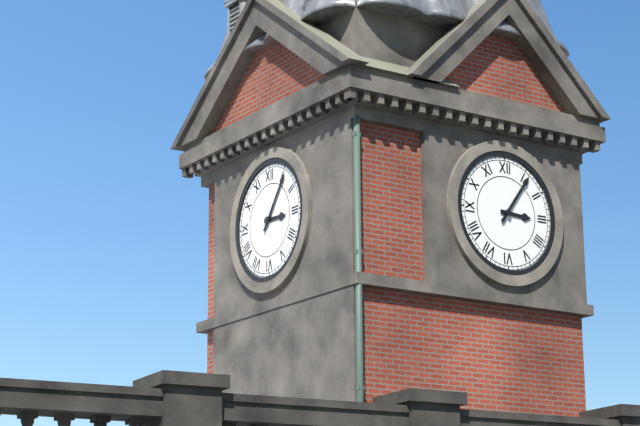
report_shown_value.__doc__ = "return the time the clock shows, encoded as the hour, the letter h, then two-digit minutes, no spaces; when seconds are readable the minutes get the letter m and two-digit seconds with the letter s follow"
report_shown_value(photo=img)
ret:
3h06
